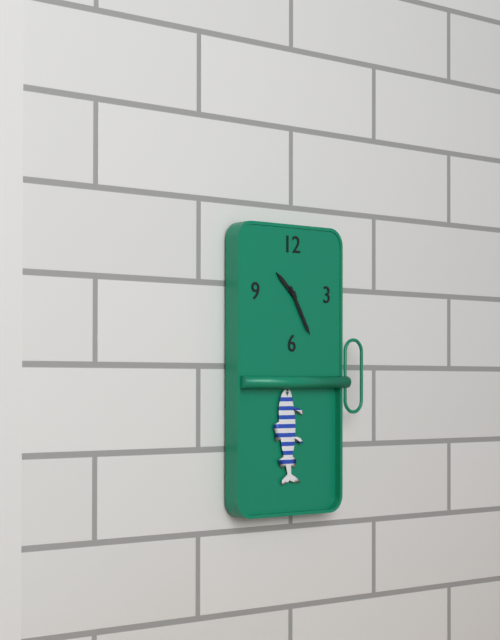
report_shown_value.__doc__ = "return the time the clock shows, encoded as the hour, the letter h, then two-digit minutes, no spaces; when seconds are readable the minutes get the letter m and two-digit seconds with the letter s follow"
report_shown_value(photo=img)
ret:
10h25
